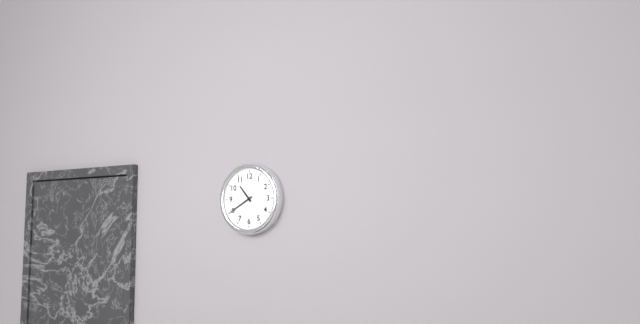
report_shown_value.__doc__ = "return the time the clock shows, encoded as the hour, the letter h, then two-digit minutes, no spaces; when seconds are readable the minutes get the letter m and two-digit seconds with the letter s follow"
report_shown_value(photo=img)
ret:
10h40
